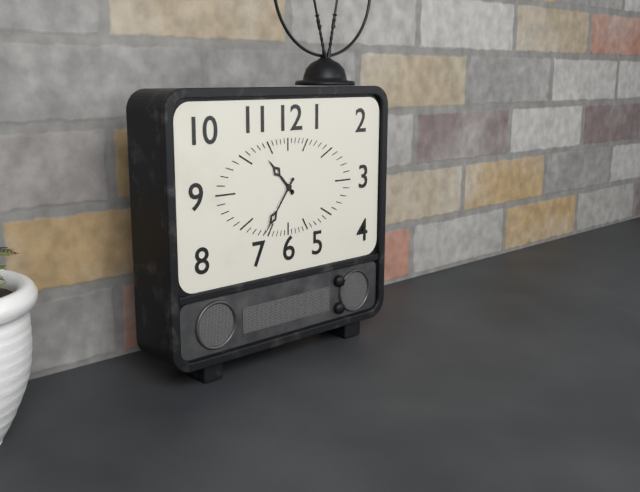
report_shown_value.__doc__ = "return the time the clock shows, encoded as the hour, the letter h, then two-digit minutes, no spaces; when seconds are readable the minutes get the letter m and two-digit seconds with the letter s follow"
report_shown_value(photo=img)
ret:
10h36
